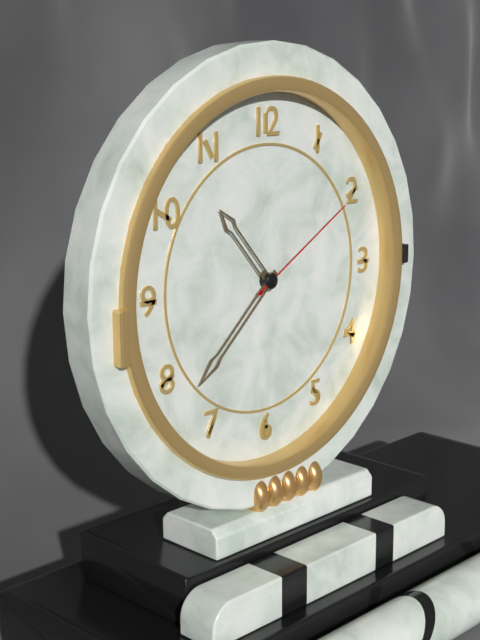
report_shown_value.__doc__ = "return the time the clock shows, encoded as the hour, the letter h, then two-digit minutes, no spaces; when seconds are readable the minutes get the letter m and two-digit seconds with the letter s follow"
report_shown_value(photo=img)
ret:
10h38m10s
